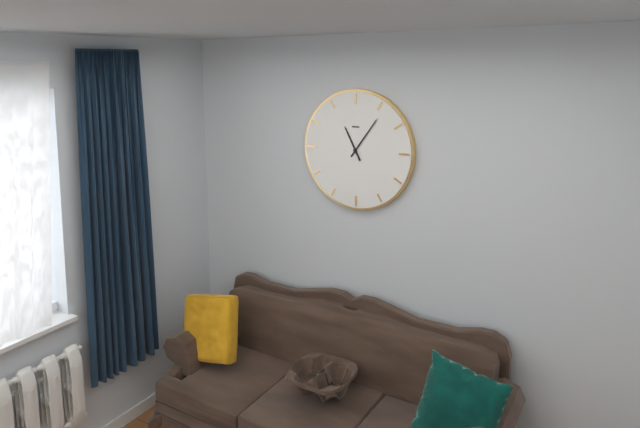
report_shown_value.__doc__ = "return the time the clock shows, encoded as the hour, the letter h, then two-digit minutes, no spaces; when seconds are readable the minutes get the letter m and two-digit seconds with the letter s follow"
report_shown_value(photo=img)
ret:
11h06
